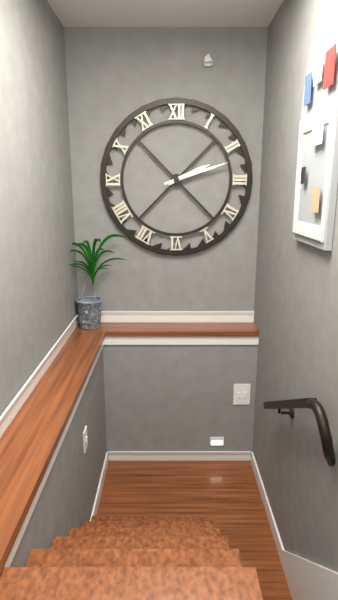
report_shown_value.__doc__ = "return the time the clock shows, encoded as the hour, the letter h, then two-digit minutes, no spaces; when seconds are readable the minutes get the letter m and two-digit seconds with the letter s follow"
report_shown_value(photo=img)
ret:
2h12
